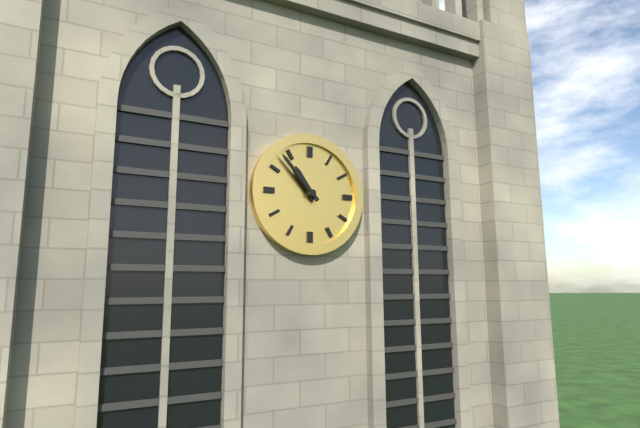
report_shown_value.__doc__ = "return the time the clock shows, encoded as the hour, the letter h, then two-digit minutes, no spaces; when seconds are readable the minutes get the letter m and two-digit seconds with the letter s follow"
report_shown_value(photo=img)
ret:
10h53
